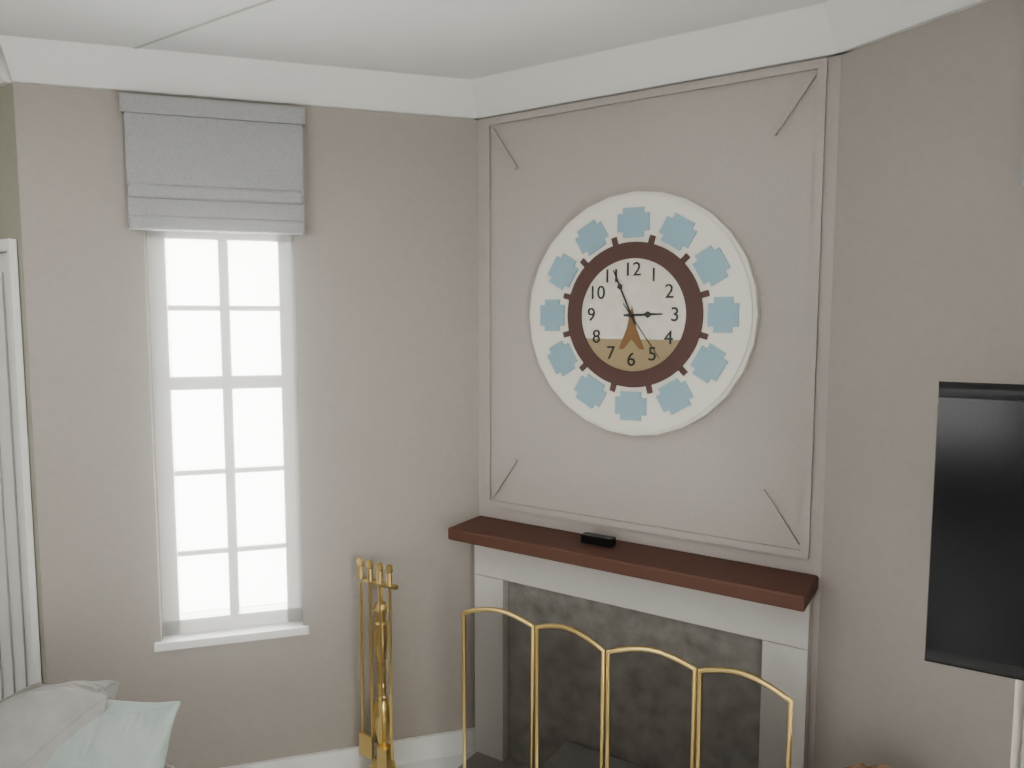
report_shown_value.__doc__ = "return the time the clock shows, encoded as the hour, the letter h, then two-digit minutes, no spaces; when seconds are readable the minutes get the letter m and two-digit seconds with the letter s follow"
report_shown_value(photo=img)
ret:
2h56m24s
